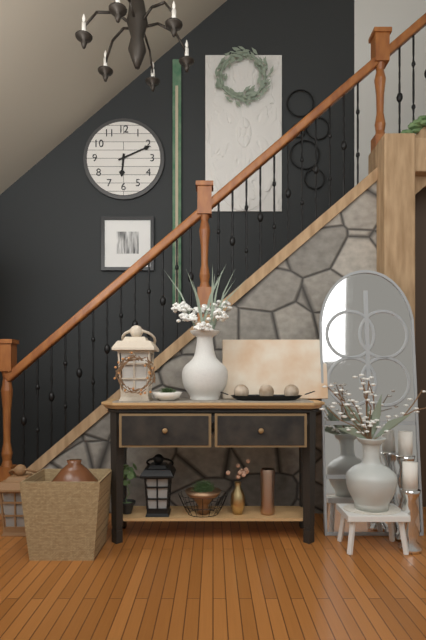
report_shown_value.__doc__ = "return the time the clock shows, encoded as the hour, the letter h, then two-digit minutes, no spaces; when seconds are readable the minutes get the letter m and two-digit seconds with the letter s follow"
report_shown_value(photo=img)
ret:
6h11
